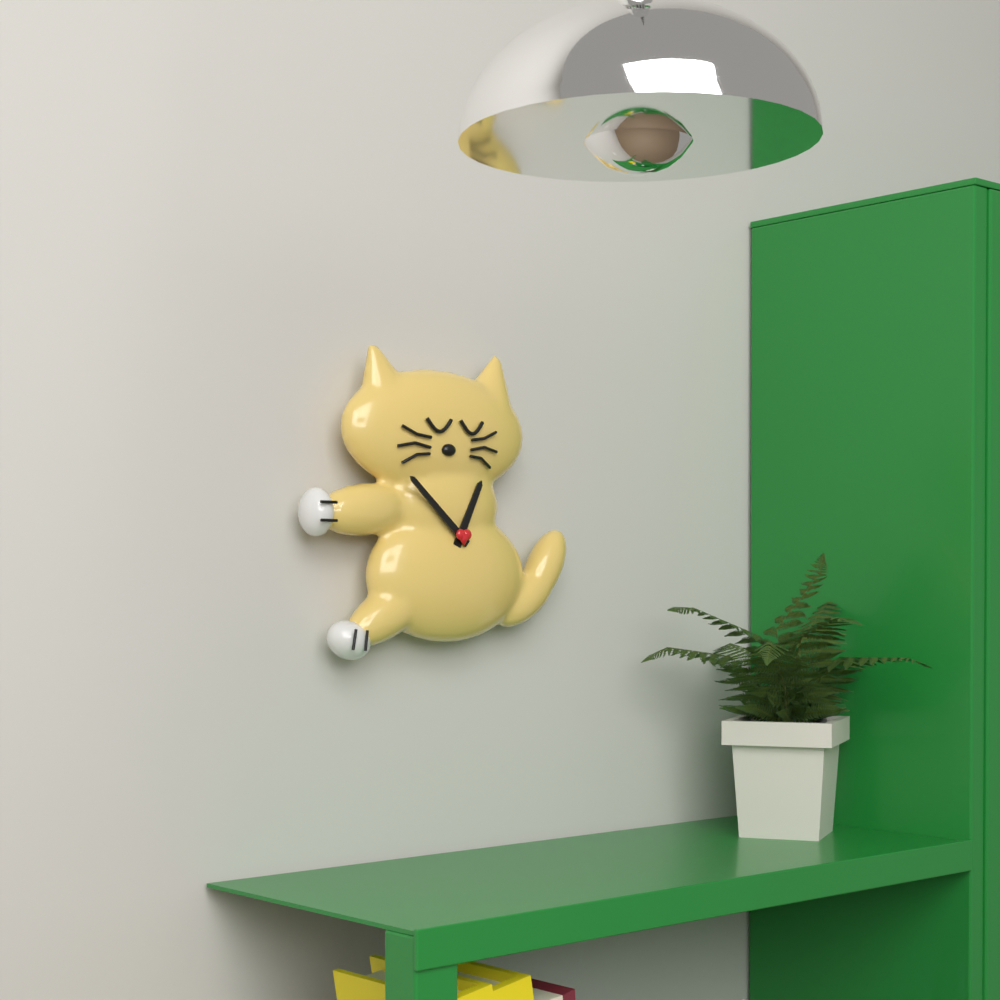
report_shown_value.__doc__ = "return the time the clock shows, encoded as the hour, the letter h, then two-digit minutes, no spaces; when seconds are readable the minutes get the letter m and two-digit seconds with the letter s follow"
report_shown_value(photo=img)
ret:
12h52
